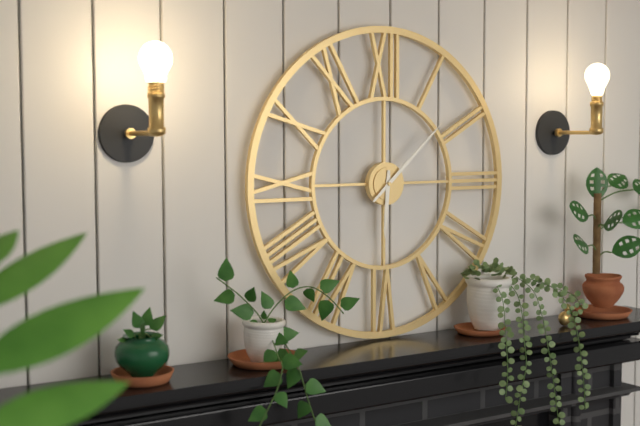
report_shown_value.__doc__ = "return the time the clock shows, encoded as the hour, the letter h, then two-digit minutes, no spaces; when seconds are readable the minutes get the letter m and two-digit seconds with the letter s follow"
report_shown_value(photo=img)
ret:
6h08
